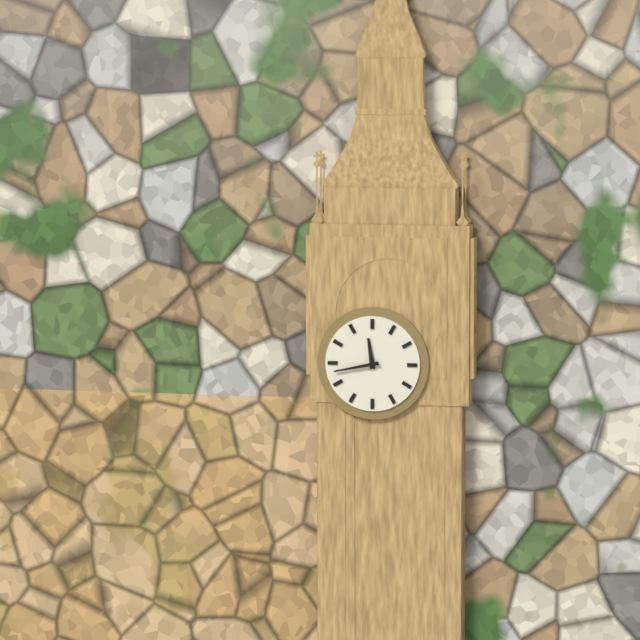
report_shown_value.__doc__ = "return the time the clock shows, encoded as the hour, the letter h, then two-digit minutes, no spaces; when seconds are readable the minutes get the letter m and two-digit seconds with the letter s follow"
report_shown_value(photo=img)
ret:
11h43
